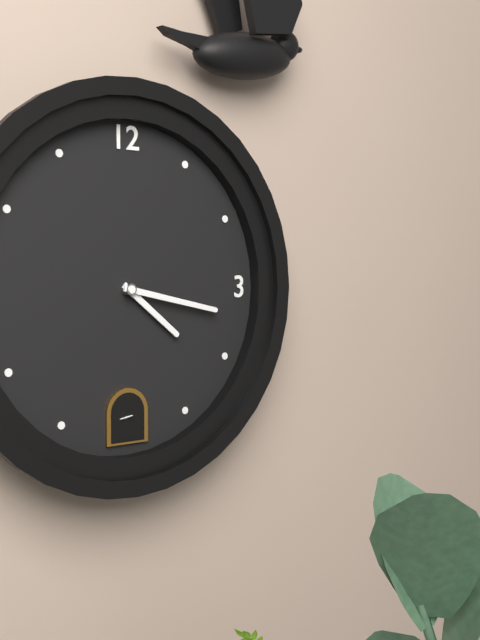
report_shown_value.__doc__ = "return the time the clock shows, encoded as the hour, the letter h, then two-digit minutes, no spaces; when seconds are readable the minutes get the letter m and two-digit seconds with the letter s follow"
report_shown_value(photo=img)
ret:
4h17
